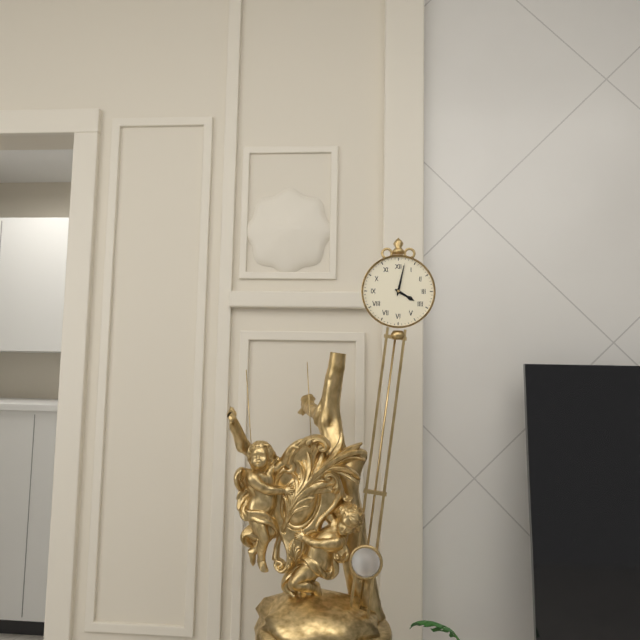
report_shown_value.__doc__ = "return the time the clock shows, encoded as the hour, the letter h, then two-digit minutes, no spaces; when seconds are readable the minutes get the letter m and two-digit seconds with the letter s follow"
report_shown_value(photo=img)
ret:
4h02
